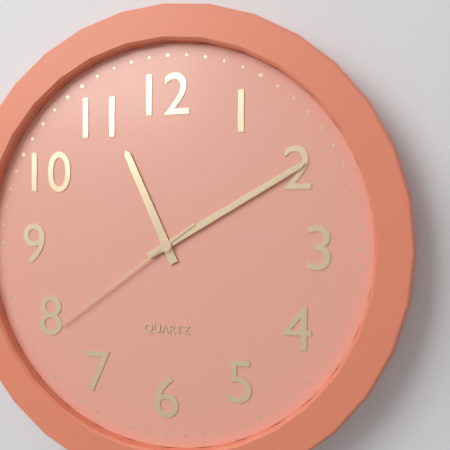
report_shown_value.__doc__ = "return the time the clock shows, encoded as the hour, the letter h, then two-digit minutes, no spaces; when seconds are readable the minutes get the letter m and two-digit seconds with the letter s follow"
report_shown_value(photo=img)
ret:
11h10m39s
